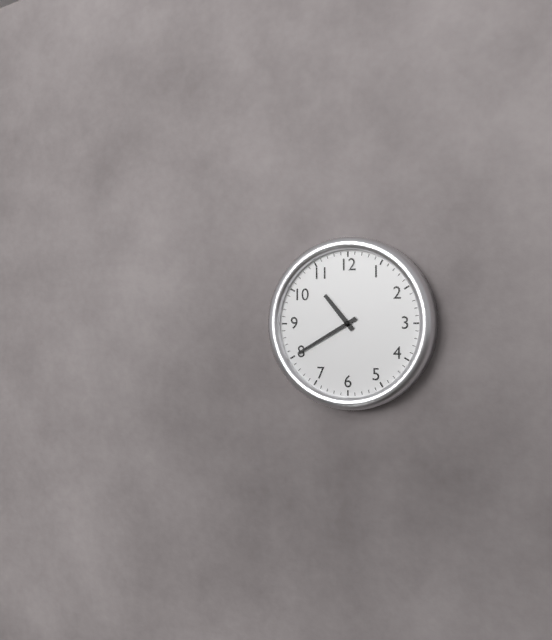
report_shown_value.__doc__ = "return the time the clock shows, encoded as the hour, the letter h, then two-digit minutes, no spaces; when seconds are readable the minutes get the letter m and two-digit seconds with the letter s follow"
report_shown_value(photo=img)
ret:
10h40
